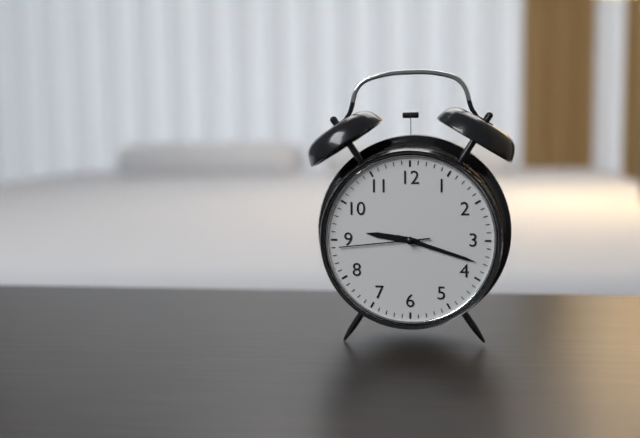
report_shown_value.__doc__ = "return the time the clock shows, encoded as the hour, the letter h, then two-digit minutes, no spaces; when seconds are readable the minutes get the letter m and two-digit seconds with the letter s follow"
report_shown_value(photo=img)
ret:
9h18m44s
